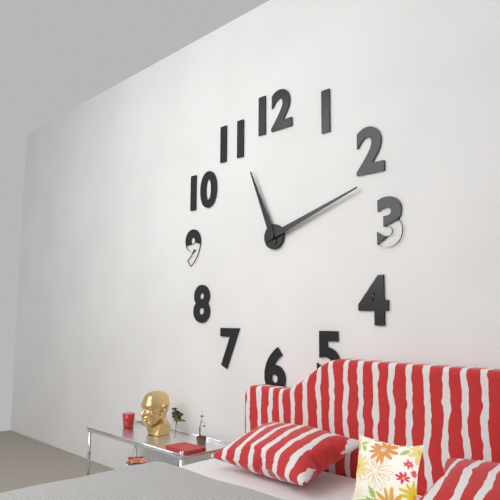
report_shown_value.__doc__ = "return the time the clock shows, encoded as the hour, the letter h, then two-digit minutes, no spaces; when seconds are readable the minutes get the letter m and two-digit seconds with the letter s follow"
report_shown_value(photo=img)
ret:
11h12
